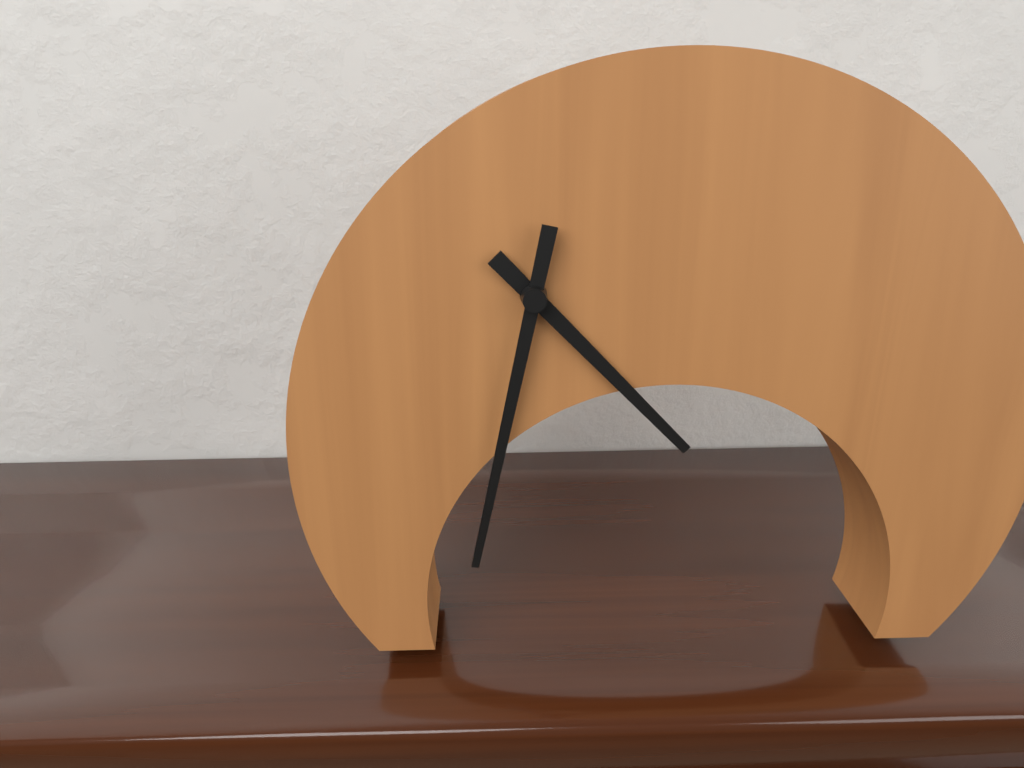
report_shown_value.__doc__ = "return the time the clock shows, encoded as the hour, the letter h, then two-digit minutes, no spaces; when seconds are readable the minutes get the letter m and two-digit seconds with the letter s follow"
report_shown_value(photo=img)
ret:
4h32
